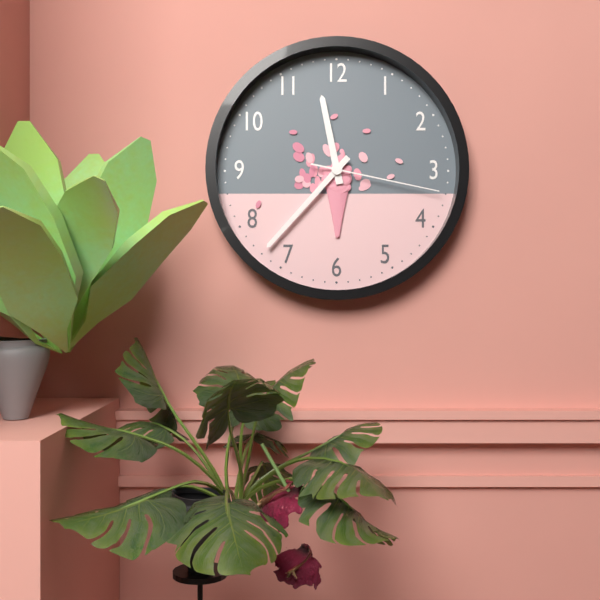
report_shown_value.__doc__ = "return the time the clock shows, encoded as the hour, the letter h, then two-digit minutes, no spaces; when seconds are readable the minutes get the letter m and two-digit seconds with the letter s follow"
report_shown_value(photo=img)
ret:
11h37m17s
